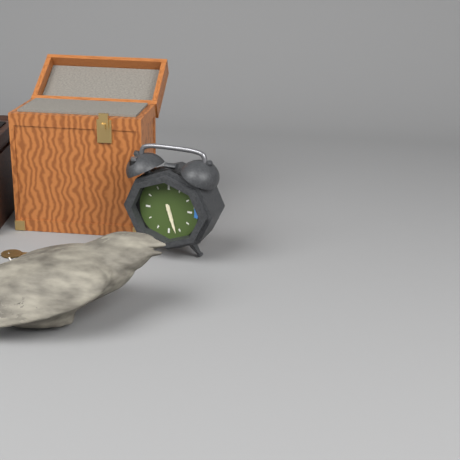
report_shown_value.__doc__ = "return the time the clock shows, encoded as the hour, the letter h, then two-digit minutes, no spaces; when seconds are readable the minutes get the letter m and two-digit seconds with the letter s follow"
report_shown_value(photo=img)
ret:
5h27
